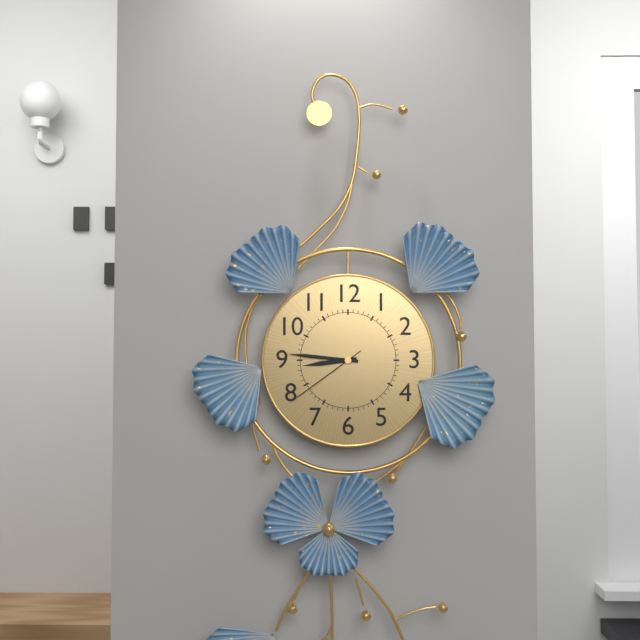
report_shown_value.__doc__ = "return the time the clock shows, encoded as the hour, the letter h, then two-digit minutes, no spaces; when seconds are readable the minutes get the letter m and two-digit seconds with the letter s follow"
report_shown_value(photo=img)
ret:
8h46m39s
